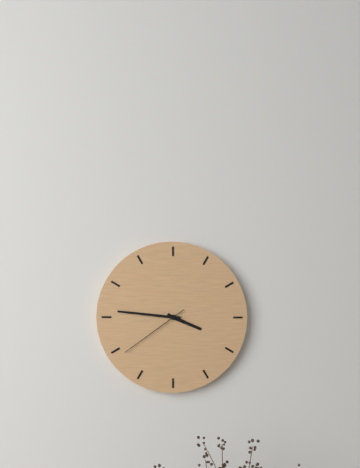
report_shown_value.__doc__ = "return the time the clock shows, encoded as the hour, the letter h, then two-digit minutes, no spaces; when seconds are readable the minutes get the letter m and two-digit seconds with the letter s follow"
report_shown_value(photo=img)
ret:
3h46m39s
